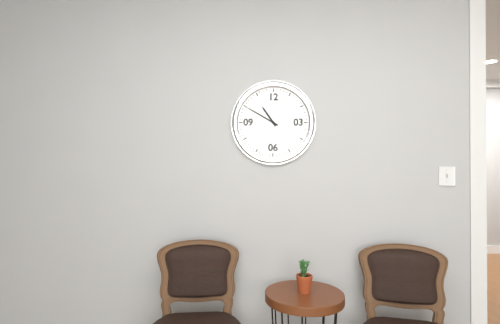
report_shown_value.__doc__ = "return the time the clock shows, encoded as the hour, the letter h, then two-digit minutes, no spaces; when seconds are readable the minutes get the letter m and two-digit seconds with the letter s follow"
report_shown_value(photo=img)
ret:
10h50
